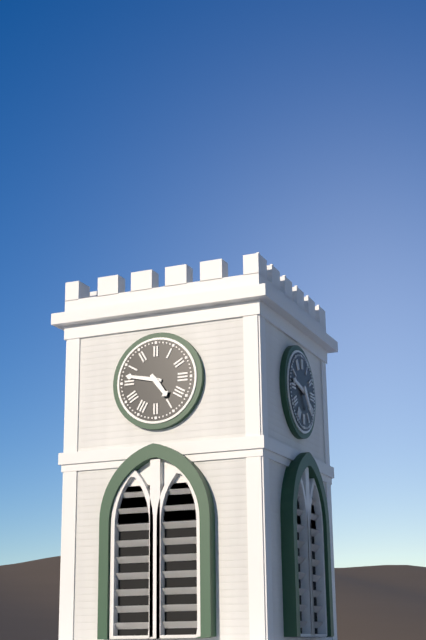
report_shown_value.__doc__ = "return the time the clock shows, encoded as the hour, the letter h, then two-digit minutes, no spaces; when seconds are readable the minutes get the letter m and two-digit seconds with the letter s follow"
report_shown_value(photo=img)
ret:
4h47
